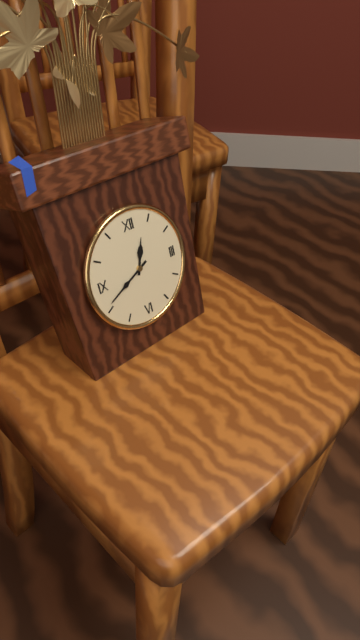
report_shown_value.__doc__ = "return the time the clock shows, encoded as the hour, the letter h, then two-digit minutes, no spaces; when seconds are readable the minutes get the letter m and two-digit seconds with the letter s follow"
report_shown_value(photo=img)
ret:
12h41
